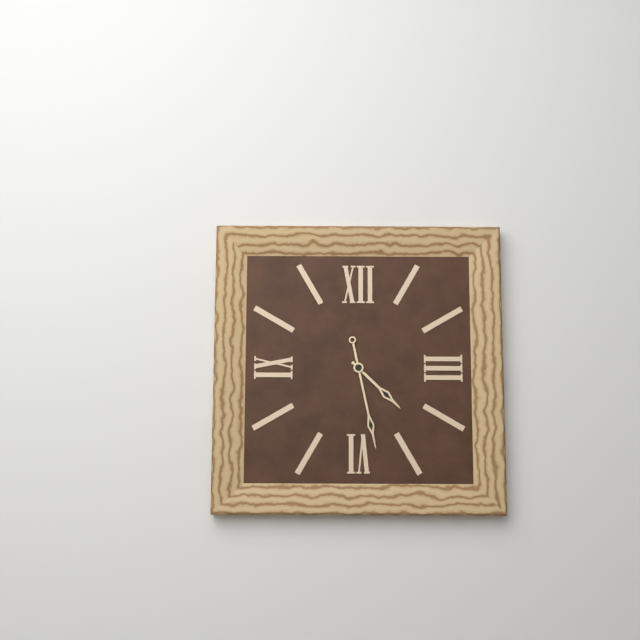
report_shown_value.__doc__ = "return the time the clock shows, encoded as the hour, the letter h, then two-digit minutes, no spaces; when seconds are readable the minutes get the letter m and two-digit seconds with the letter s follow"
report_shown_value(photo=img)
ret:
4h28
